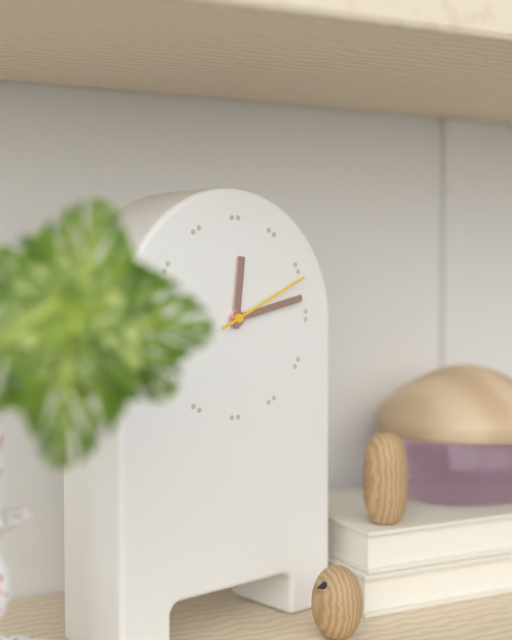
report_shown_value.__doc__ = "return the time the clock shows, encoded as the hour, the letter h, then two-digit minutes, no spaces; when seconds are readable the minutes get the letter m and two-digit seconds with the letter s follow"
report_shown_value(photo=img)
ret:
12h13m11s
